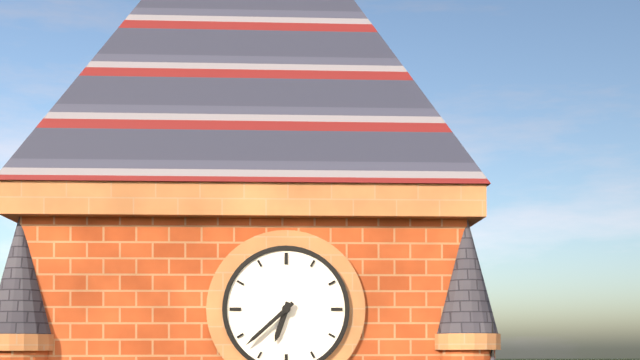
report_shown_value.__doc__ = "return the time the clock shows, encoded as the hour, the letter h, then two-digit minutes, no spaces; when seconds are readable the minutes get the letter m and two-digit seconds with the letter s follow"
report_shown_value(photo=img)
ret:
6h38
